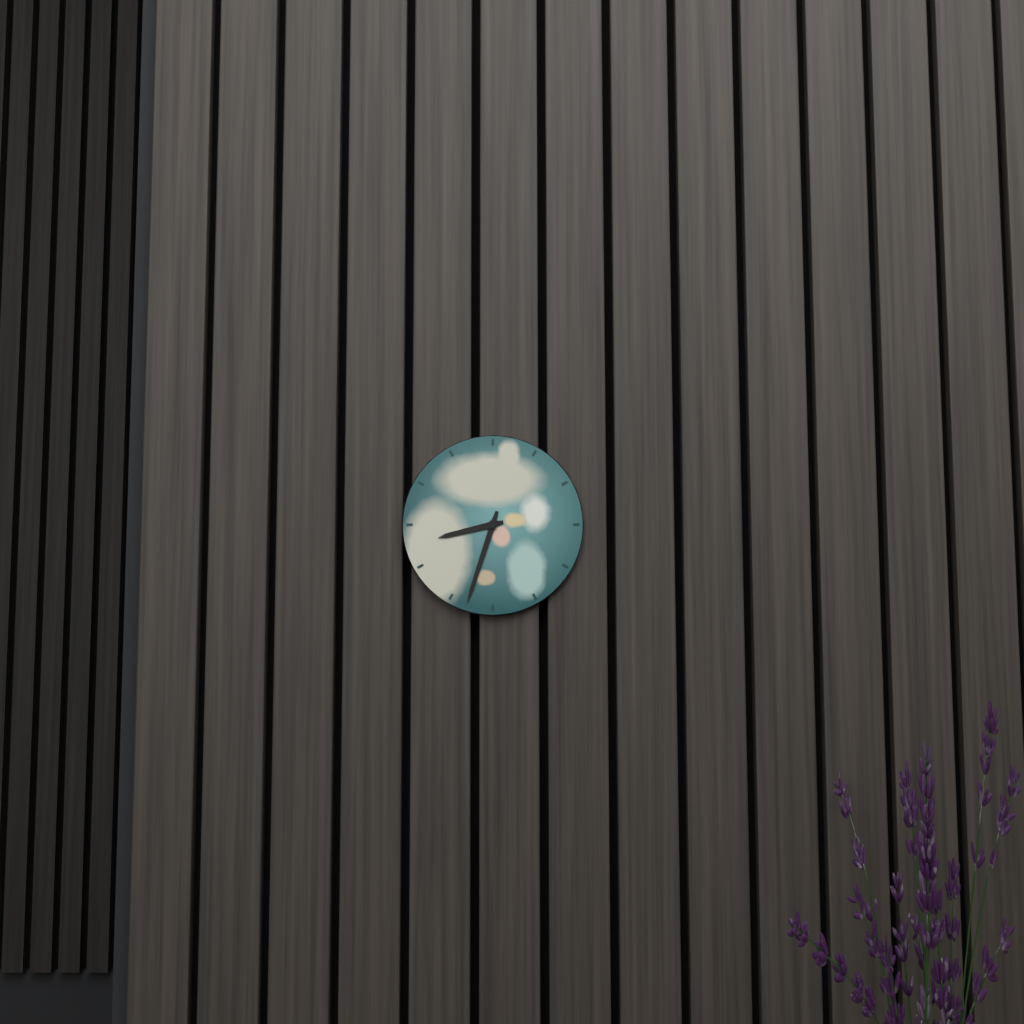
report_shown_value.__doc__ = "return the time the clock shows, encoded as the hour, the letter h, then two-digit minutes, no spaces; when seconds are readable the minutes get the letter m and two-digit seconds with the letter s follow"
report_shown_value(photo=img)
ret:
8h33
